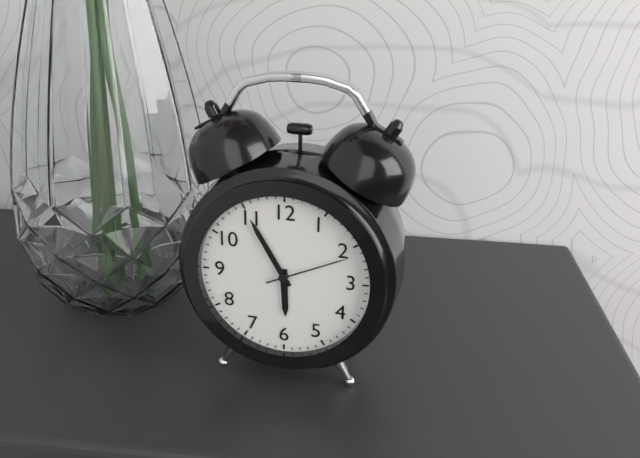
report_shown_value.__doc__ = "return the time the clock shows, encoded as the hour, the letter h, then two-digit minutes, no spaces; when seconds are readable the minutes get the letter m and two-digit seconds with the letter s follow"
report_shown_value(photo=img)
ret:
5h55m11s
